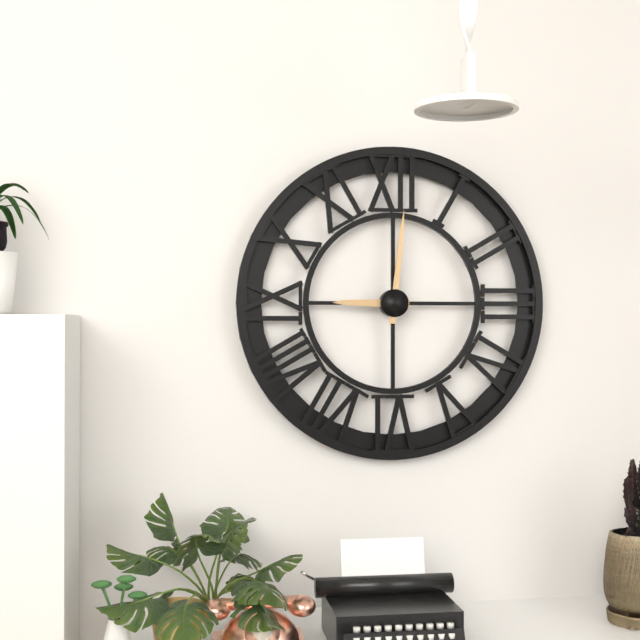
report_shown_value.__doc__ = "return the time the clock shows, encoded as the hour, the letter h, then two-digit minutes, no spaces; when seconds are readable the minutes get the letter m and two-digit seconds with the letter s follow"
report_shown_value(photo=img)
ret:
9h01
